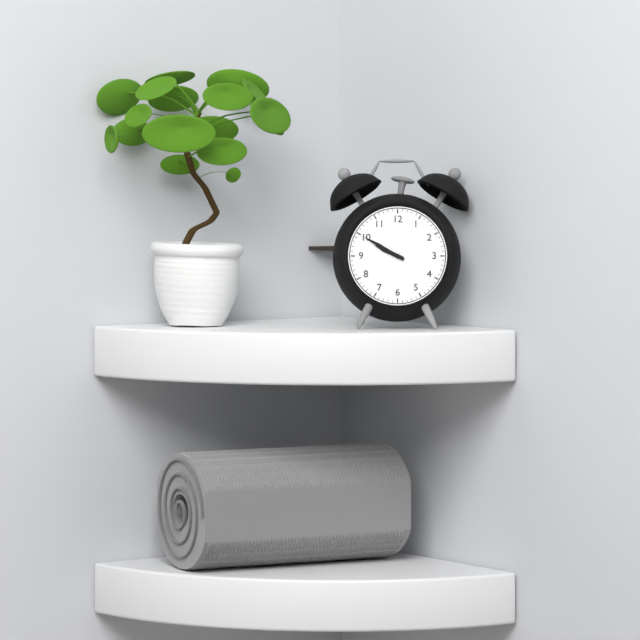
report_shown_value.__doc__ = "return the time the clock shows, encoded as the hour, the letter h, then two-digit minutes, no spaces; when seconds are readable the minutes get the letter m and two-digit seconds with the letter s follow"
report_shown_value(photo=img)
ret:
9h50
